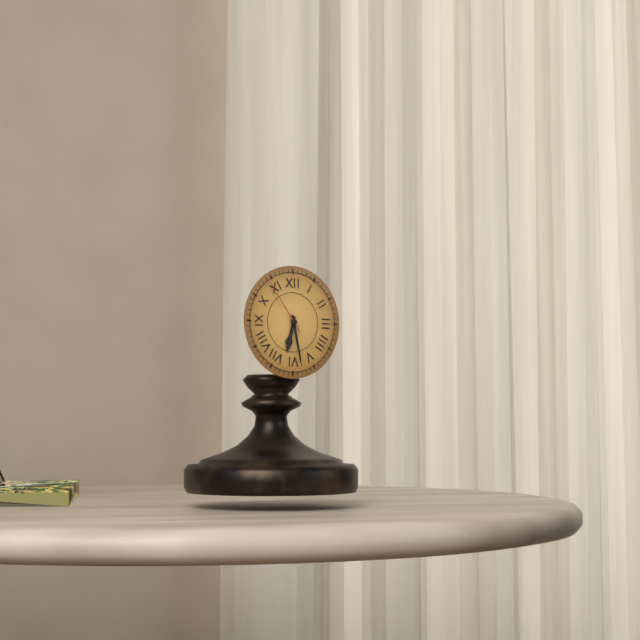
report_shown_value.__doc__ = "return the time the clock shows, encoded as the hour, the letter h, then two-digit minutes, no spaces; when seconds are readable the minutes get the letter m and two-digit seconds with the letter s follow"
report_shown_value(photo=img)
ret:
6h28m54s
